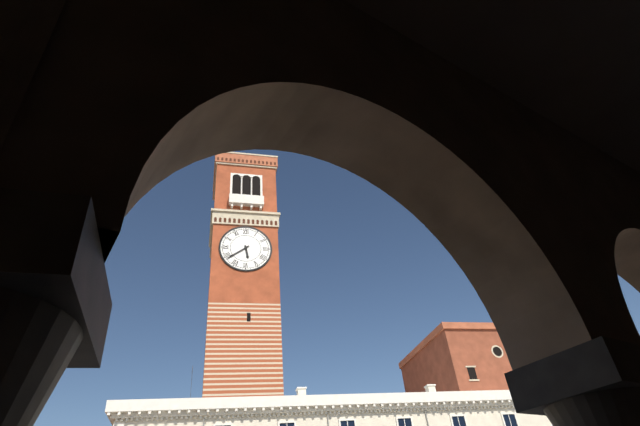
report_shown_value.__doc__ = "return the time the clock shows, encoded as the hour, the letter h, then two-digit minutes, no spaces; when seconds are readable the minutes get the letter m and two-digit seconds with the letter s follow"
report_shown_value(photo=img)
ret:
5h39
